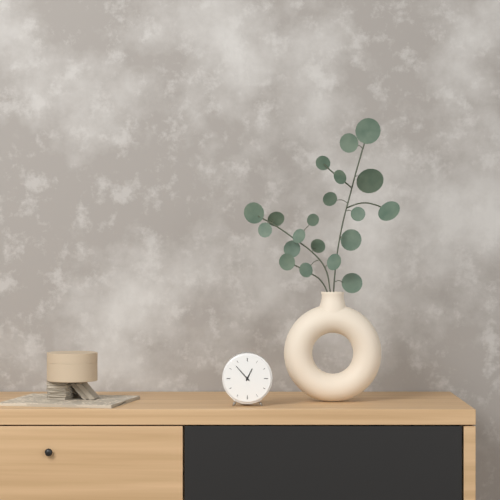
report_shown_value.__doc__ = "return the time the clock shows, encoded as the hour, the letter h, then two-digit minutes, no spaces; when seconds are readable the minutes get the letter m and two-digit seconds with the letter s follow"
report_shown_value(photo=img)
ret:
12h53
